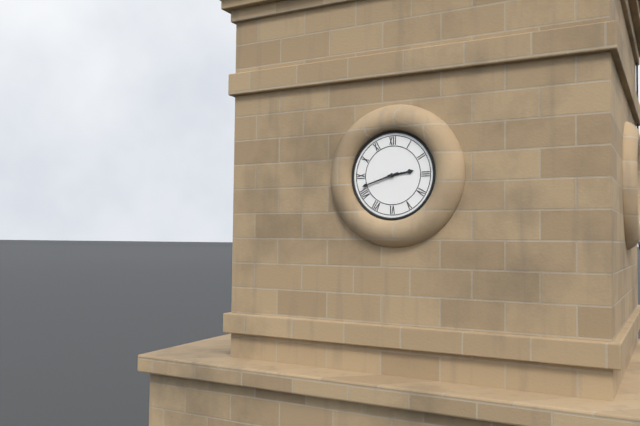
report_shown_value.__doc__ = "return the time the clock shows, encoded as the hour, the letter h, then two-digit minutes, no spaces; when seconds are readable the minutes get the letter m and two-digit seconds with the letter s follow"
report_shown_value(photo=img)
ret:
2h42
